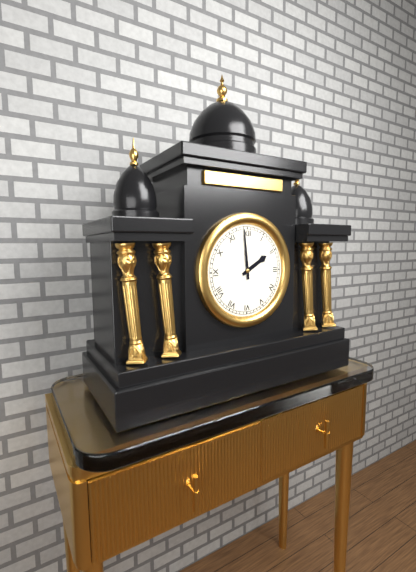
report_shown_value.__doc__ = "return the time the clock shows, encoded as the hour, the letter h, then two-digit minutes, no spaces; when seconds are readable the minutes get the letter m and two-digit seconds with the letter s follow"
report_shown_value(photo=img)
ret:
1h59
